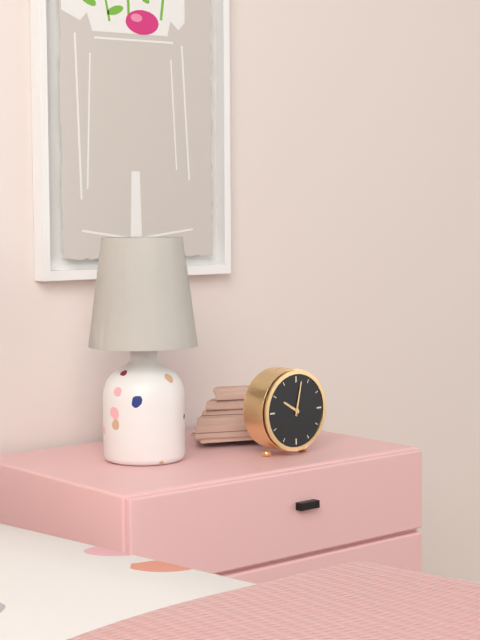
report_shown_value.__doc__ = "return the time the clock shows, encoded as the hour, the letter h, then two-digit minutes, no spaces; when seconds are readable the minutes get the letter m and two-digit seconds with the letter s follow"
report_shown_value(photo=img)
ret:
10h02
